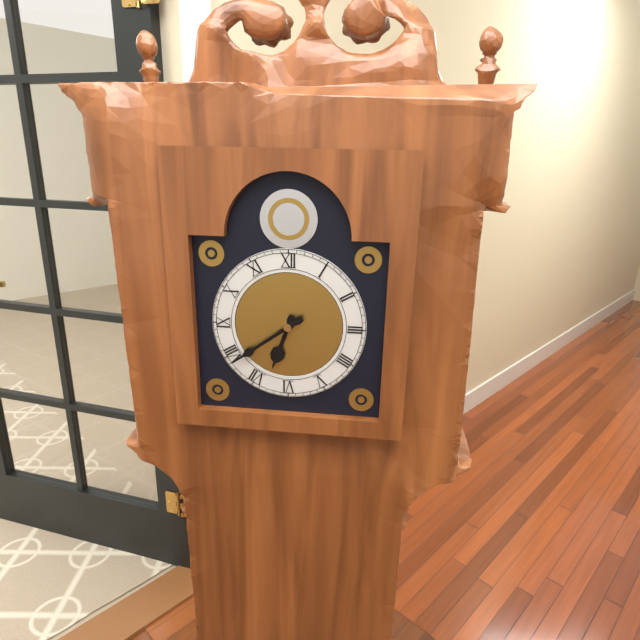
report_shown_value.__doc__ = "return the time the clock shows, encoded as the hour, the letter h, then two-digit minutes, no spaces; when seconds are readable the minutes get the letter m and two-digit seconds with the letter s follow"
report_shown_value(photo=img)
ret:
6h39
